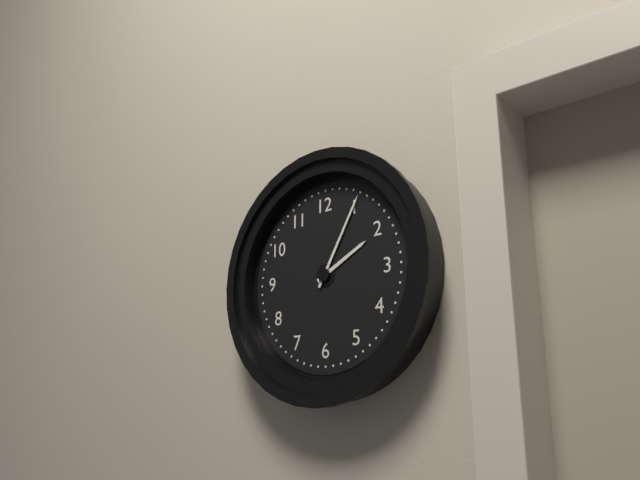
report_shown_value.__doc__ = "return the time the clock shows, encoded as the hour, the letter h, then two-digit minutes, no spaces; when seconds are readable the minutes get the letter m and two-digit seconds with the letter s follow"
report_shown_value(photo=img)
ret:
2h05
